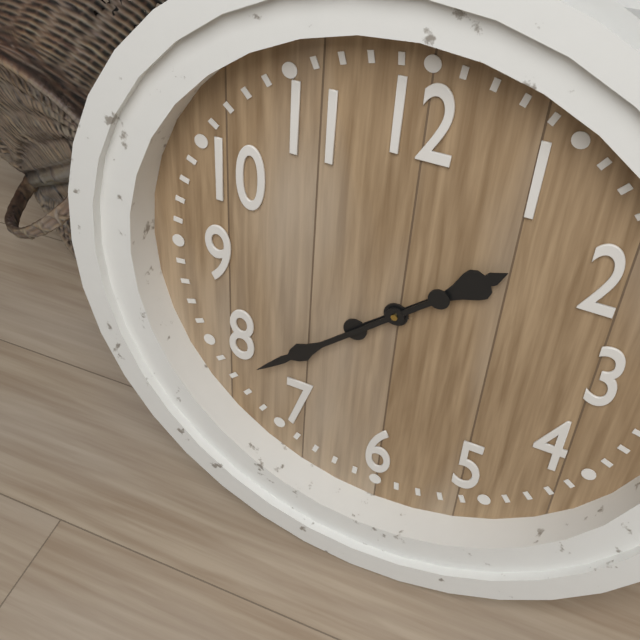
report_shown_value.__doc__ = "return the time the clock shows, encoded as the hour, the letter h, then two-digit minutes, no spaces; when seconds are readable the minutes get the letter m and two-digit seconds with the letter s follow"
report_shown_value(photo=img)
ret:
1h38
